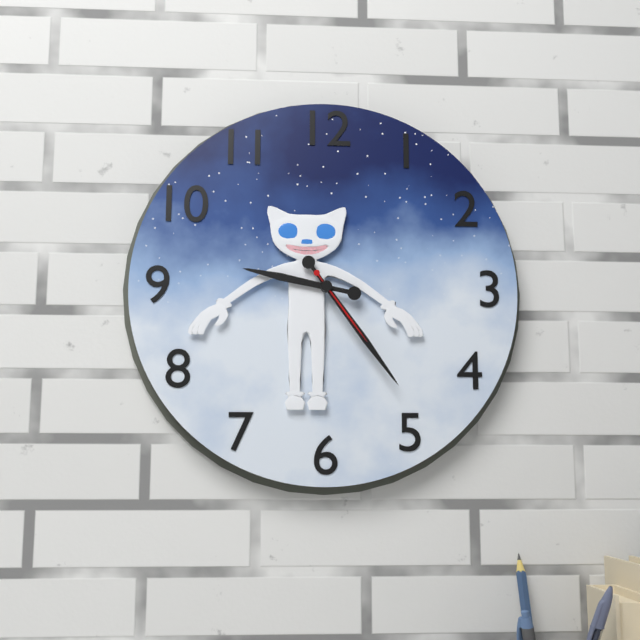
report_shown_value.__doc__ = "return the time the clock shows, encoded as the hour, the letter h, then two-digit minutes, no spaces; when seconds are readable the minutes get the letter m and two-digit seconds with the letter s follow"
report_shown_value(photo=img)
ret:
9h24m24s
